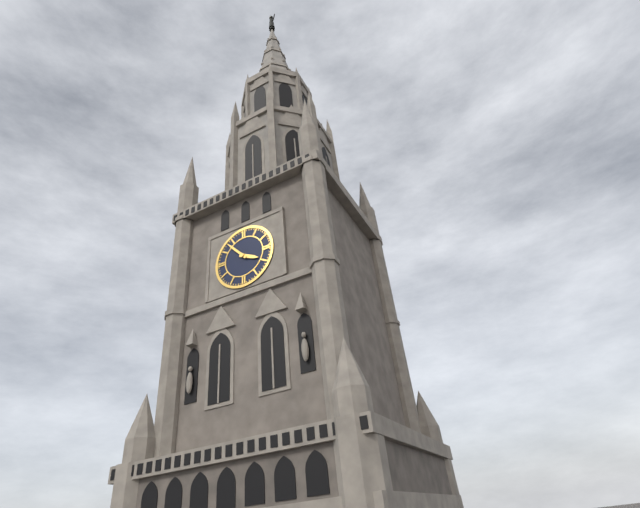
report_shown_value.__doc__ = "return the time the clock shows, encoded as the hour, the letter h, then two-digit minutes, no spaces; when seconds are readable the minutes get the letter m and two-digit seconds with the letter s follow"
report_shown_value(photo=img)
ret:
3h53
